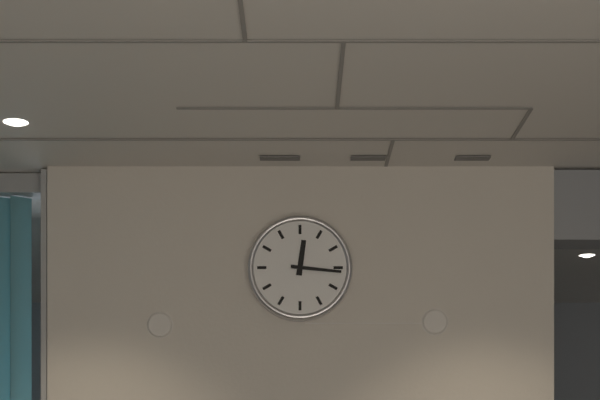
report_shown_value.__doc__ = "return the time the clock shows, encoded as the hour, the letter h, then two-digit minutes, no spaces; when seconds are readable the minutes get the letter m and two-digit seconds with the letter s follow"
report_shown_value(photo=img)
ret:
12h16
